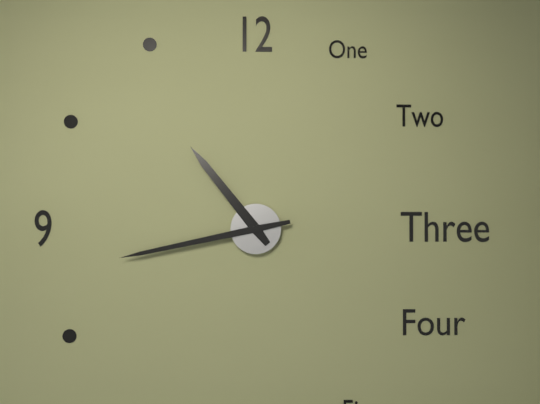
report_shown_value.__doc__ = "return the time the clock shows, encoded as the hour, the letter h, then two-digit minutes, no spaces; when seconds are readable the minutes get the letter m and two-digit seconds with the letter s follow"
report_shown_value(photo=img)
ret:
10h43
